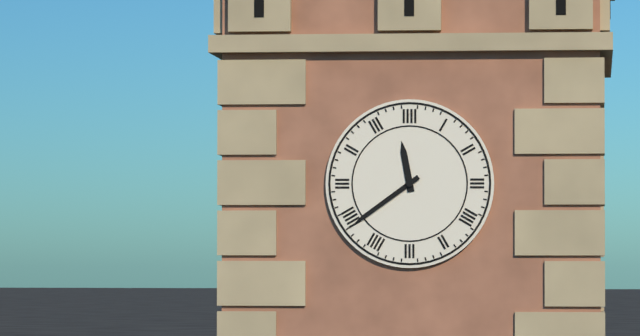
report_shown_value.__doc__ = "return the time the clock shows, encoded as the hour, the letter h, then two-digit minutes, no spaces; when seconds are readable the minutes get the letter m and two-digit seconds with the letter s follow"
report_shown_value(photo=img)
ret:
11h39
